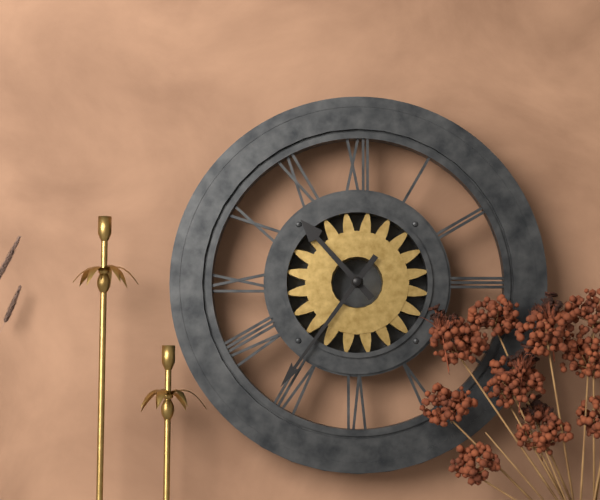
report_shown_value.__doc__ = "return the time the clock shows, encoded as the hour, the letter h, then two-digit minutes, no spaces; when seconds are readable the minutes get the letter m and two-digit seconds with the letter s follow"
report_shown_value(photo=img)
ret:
10h36
